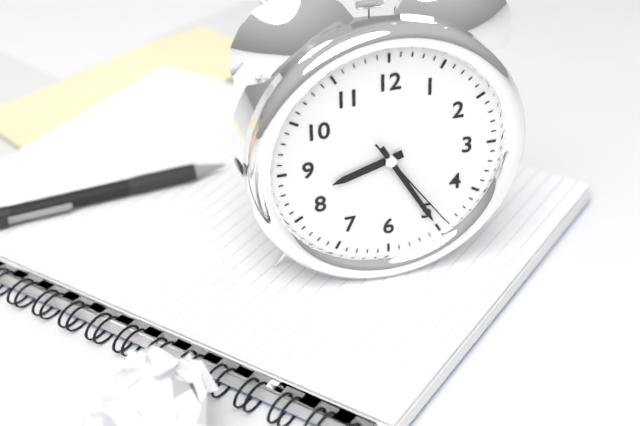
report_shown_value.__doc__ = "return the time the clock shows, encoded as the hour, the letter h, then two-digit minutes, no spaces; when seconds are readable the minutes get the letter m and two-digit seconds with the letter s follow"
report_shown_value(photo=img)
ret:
8h25m24s
